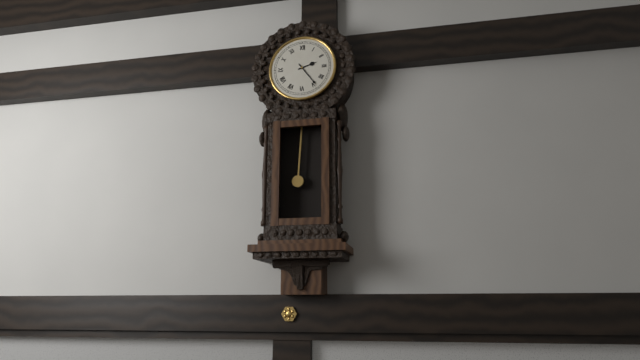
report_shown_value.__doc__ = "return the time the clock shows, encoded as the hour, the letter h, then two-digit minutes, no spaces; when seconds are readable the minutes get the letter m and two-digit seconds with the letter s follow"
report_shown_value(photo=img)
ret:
2h24
